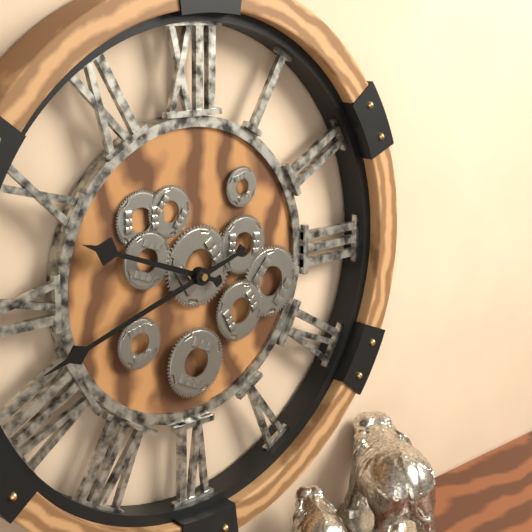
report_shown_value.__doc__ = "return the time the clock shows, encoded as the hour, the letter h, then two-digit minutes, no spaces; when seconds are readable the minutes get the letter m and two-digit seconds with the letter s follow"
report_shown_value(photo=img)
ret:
9h42
